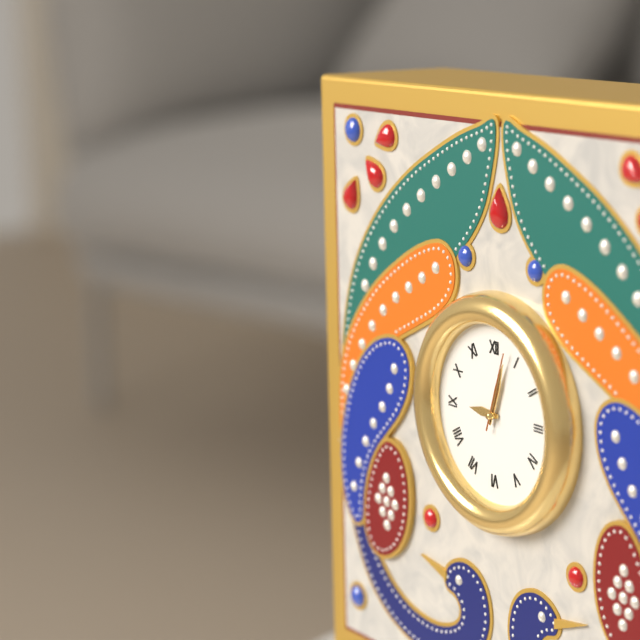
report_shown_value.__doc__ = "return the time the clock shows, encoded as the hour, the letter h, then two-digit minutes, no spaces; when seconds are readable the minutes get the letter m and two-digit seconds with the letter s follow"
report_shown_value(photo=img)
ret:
9h03m03s
